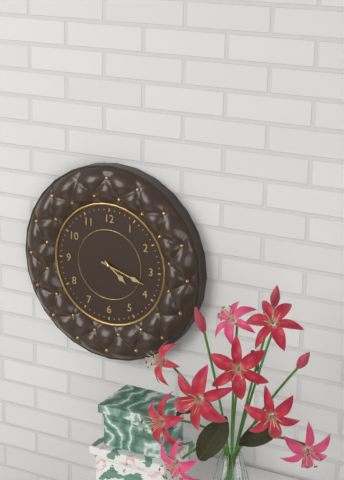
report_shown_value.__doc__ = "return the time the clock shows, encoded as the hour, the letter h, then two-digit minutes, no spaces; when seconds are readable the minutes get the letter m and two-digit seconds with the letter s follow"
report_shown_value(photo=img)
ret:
4h18
